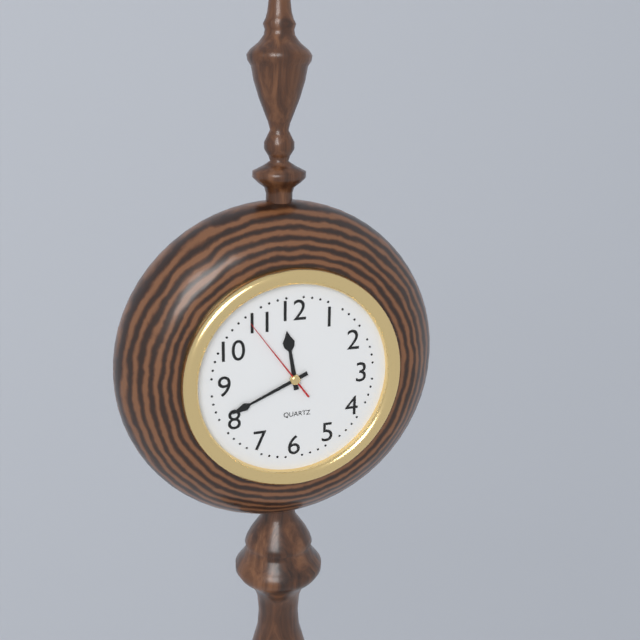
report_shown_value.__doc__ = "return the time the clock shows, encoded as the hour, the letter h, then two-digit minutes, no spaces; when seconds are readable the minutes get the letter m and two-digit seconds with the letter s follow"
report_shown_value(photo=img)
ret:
11h41m54s
